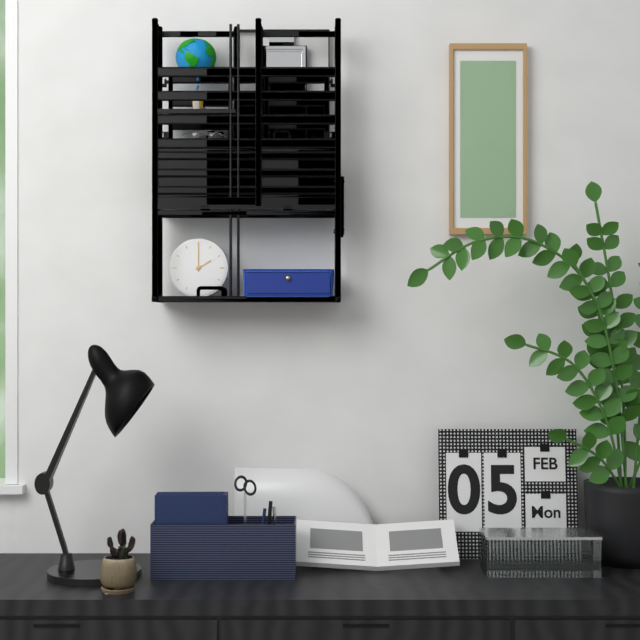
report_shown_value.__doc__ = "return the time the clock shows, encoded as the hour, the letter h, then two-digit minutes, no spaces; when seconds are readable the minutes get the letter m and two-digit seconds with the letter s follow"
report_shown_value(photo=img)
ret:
2h00
